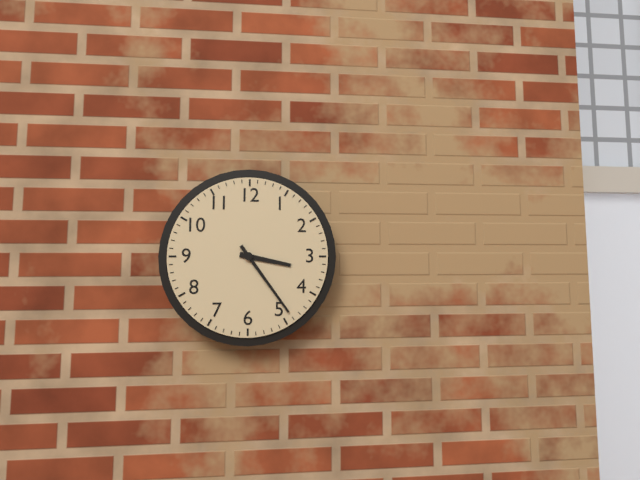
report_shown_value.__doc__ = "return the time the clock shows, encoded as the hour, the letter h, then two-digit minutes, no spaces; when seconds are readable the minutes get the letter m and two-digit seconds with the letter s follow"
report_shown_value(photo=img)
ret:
3h24
